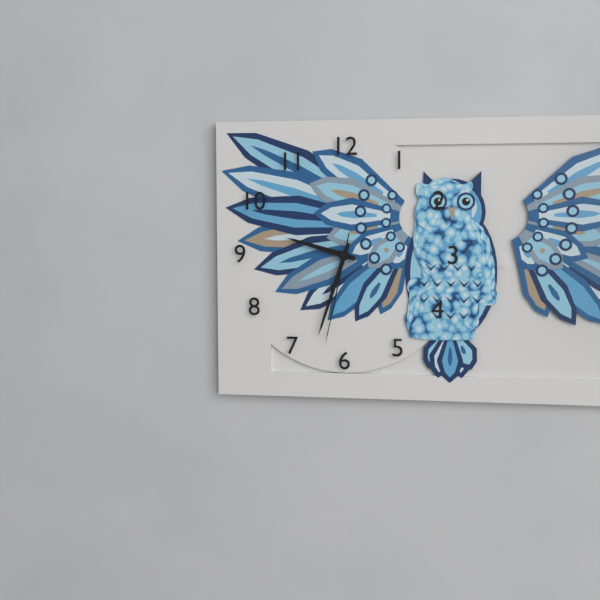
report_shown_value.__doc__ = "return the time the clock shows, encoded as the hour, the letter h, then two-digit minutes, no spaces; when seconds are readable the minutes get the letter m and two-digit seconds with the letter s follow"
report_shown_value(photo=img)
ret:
9h33m32s
